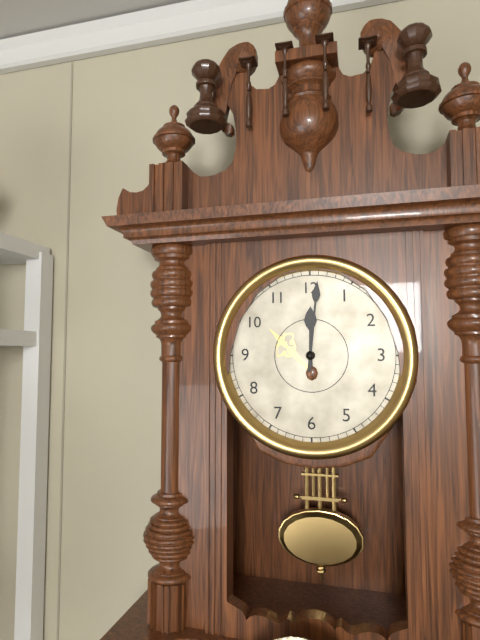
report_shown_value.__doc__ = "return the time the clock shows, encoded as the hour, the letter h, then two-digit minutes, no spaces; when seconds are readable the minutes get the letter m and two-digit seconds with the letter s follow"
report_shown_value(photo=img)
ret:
12h01
